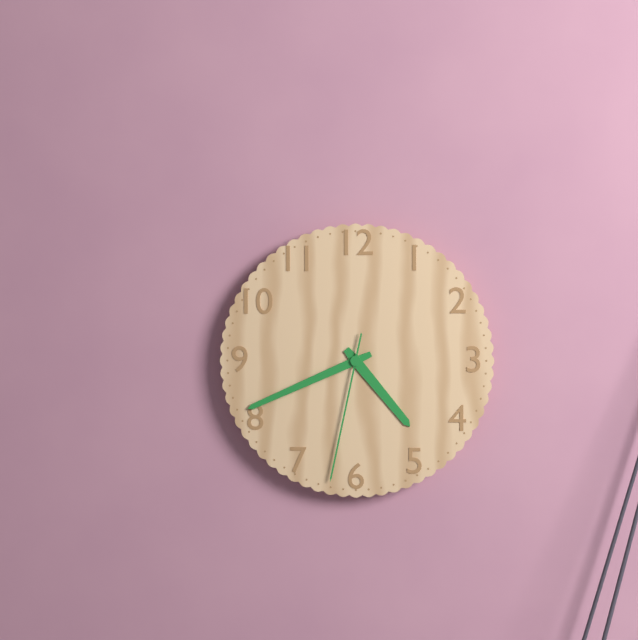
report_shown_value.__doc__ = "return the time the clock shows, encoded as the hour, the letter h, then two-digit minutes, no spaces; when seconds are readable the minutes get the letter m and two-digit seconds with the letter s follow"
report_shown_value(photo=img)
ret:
4h41m32s
